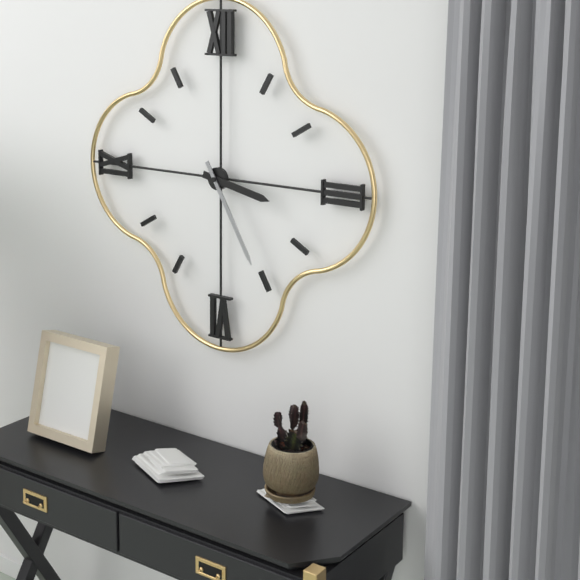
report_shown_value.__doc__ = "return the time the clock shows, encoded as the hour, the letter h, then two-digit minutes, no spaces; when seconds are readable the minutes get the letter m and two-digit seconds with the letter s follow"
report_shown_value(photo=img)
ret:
3h25
